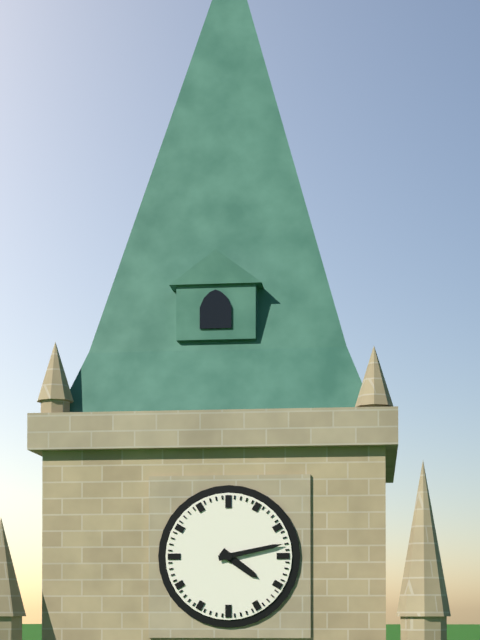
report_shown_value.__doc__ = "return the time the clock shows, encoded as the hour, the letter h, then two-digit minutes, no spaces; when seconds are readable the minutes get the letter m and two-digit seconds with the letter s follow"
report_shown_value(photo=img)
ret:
4h13
